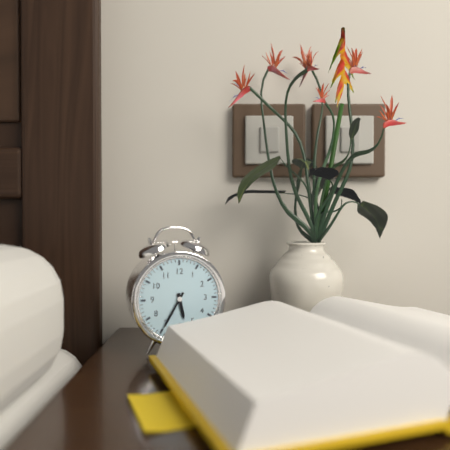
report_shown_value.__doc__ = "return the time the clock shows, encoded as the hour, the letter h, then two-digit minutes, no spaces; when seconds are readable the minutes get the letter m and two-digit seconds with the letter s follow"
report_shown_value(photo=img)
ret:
5h35
